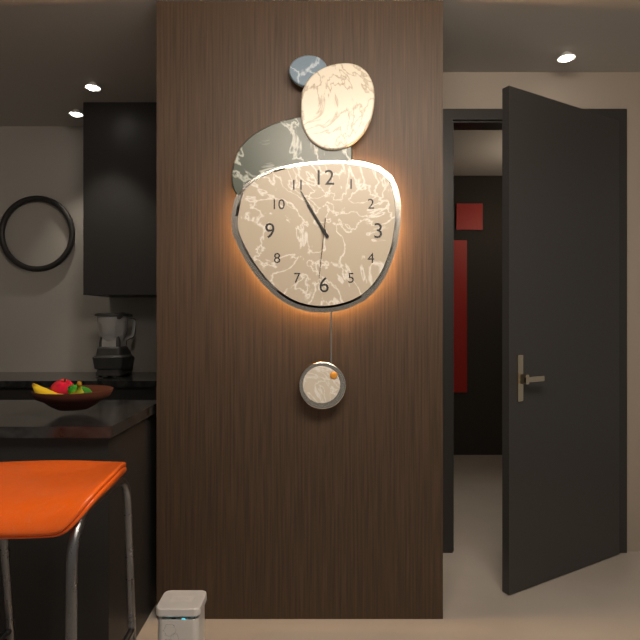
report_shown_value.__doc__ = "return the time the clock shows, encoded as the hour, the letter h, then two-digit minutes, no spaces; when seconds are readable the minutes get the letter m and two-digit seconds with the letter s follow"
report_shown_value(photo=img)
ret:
10h55m31s
